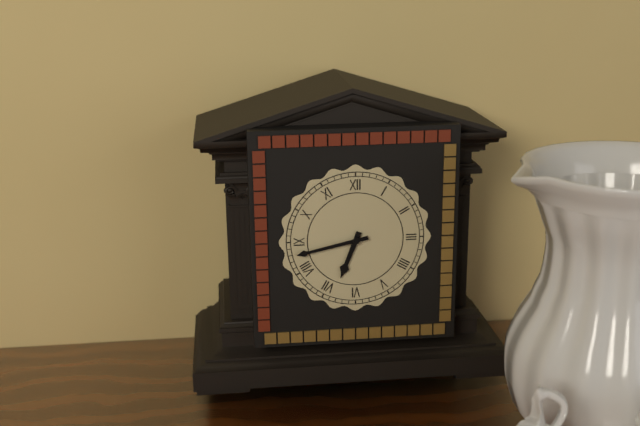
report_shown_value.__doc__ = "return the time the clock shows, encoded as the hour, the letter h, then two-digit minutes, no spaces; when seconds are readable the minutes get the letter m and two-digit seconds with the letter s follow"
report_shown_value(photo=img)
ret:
6h43
